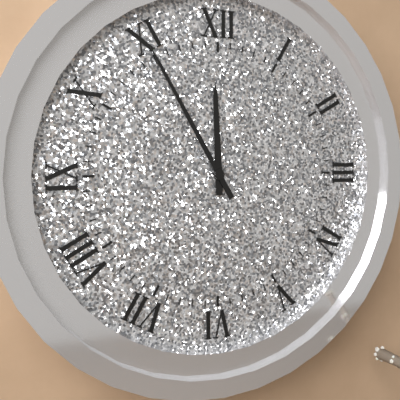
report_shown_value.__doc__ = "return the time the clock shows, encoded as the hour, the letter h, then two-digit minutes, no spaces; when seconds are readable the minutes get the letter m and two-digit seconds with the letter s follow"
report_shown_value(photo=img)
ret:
11h55
